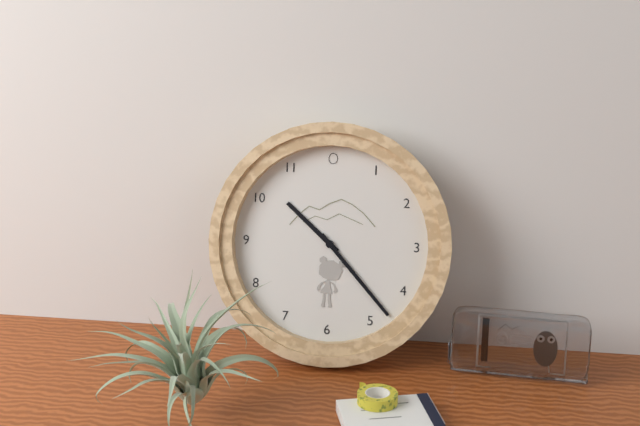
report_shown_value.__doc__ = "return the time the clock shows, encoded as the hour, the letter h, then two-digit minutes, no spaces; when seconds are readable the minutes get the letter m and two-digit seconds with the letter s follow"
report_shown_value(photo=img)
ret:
10h23
